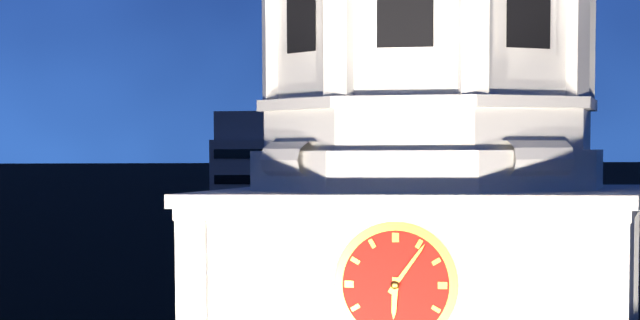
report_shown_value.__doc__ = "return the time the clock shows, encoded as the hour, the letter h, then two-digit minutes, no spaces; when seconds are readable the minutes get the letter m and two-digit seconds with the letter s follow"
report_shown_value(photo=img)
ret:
6h06
